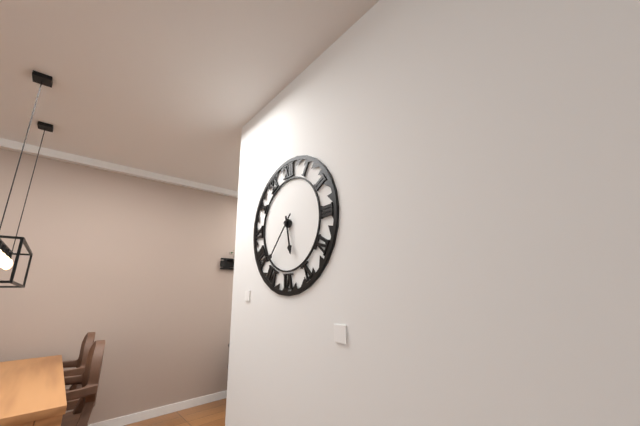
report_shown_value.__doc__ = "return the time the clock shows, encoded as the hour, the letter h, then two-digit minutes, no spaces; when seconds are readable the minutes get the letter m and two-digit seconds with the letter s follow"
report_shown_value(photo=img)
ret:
5h37
